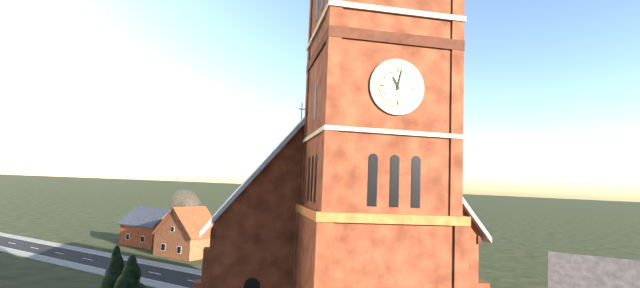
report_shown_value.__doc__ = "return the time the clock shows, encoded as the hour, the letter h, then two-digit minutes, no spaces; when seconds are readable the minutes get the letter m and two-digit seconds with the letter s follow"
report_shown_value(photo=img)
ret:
11h02
